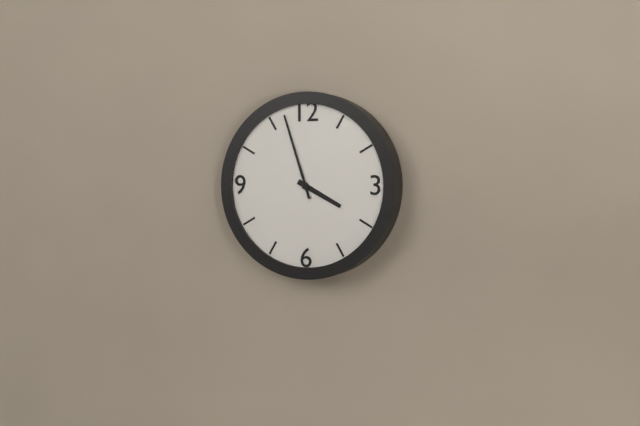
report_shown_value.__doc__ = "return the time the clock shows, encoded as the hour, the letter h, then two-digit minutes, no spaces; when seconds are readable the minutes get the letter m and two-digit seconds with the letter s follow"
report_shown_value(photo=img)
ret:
3h57
